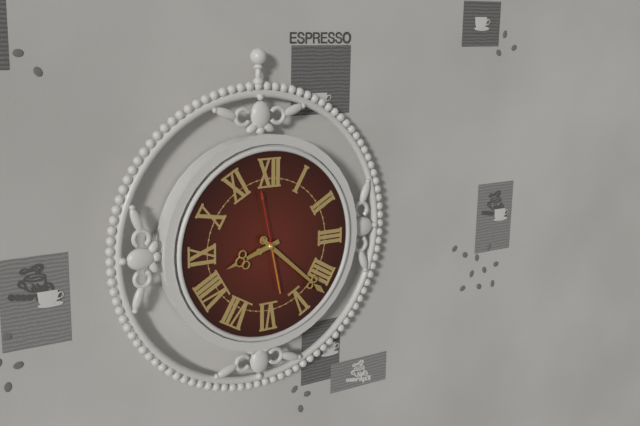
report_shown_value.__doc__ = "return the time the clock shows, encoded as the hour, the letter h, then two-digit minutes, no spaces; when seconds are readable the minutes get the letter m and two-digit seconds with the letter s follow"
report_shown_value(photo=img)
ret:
8h22m58s
